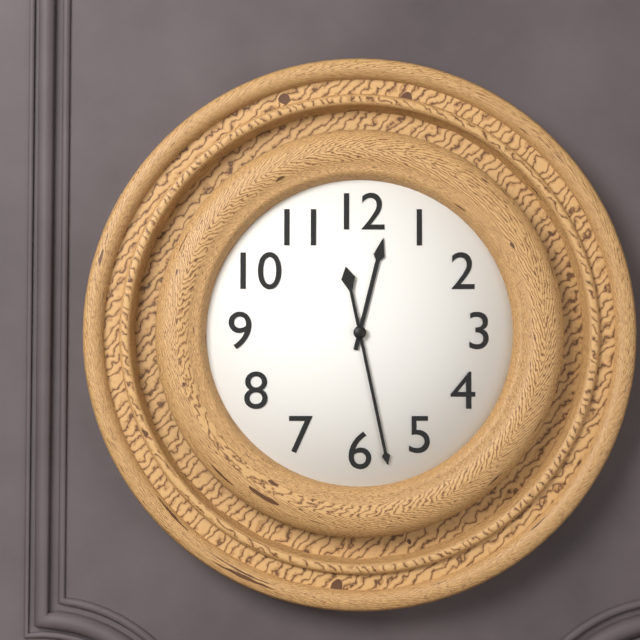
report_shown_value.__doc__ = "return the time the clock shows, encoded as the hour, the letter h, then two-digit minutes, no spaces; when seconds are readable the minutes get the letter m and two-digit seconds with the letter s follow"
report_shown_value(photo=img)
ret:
12h28
